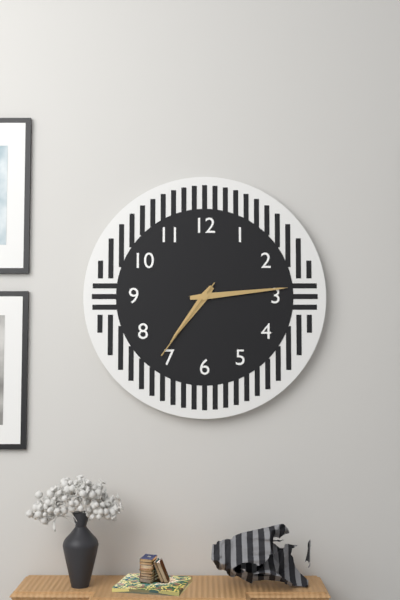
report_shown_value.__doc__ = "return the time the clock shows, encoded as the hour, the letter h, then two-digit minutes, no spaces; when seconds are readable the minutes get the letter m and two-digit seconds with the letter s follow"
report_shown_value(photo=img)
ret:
7h14m36s
